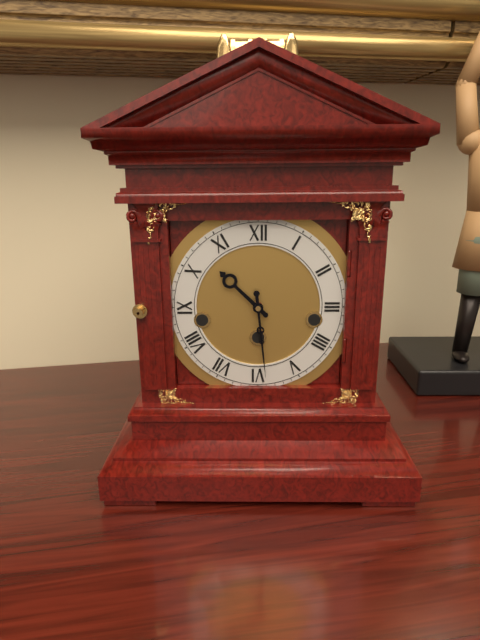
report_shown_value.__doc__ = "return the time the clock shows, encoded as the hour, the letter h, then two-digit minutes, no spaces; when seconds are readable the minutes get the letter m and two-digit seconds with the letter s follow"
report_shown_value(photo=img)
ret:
10h29
